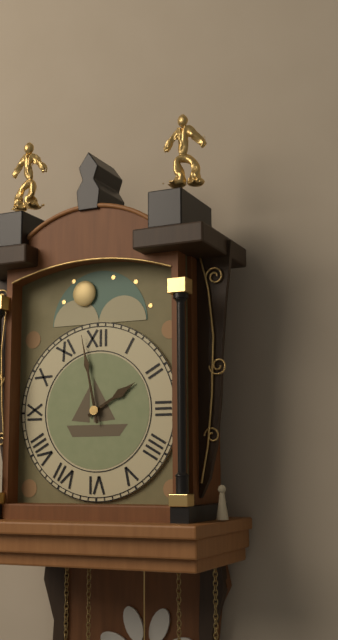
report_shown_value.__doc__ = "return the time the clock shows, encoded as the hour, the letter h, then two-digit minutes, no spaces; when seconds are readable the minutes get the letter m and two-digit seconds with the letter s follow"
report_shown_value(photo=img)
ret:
1h58
